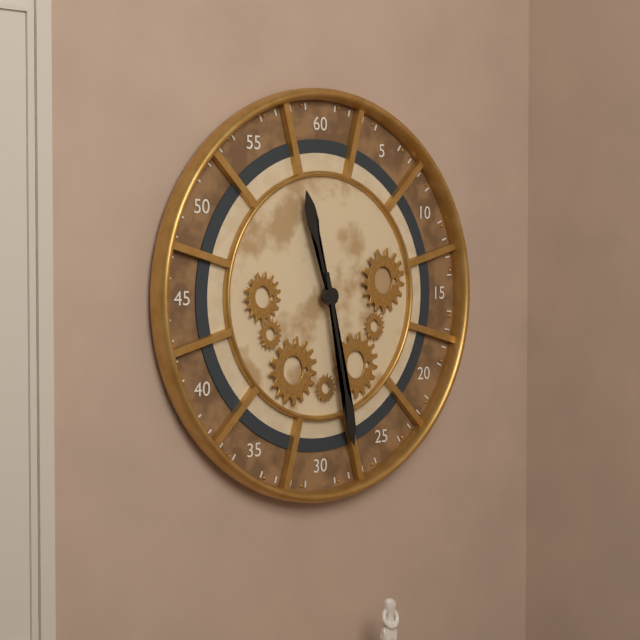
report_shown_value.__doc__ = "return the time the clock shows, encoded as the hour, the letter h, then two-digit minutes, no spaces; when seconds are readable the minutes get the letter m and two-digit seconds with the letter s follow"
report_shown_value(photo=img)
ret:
11h28
